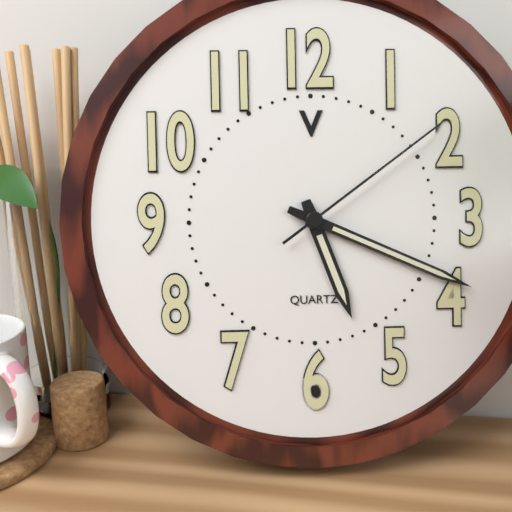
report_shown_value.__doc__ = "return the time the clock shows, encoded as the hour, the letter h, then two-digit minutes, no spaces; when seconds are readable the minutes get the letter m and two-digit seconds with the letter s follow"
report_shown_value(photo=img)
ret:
5h19m09s
